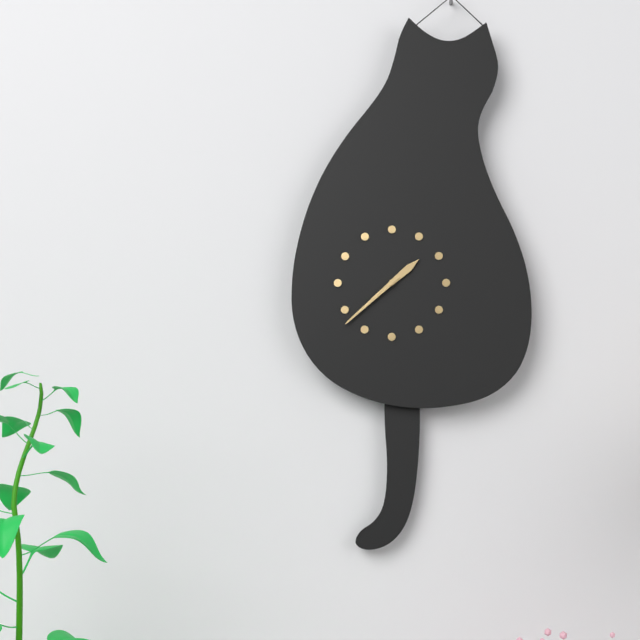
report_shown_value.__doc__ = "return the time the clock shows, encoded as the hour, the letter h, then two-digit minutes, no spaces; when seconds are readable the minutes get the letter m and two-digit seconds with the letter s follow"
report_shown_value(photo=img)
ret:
1h38
